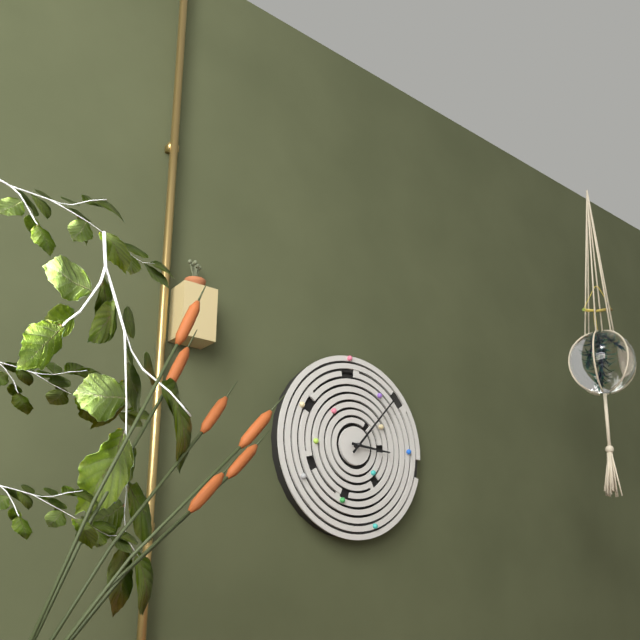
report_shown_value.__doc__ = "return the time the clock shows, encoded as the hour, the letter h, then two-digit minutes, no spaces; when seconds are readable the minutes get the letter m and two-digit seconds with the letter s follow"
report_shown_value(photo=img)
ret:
3h07
